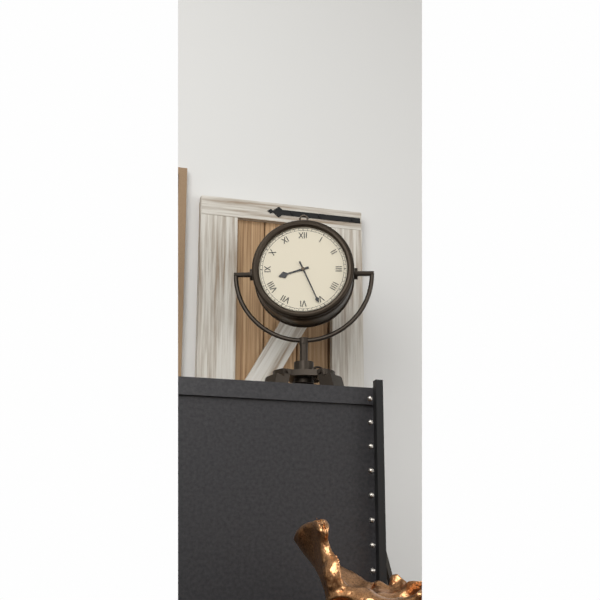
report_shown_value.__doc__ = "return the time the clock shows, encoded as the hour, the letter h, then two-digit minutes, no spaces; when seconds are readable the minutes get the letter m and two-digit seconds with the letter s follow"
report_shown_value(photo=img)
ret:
8h26
